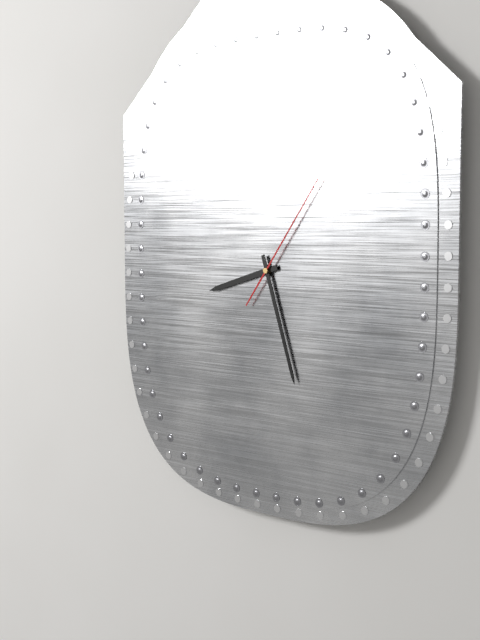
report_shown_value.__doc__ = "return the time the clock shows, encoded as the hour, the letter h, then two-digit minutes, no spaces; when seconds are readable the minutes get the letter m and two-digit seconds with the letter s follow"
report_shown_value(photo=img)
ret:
8h27m06s
